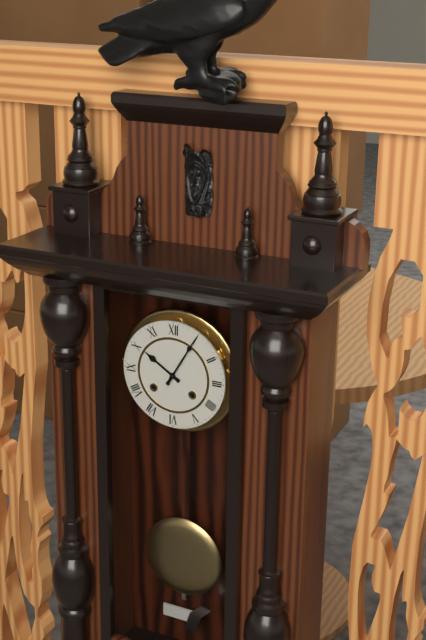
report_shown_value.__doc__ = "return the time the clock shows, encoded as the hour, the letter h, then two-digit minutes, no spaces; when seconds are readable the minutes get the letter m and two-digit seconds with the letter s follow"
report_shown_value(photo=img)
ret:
10h05
